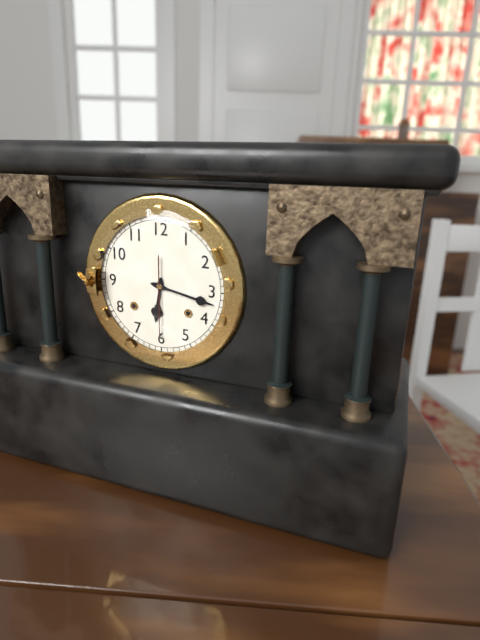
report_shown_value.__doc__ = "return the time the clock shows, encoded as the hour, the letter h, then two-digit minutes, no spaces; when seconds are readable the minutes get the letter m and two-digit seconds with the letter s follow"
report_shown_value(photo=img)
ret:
6h17m30s
